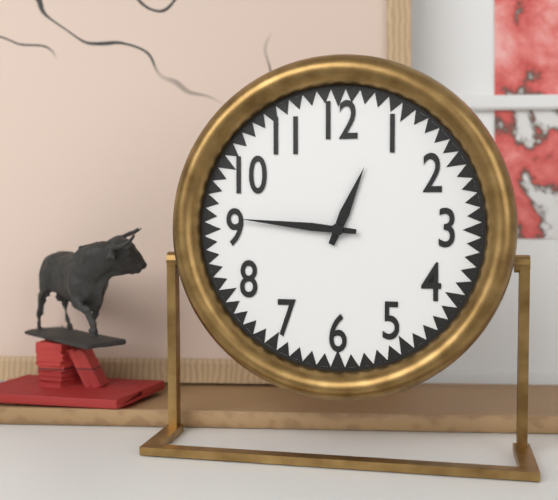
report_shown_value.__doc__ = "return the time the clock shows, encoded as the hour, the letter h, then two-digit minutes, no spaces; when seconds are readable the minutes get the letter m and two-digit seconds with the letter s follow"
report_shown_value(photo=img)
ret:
12h46
